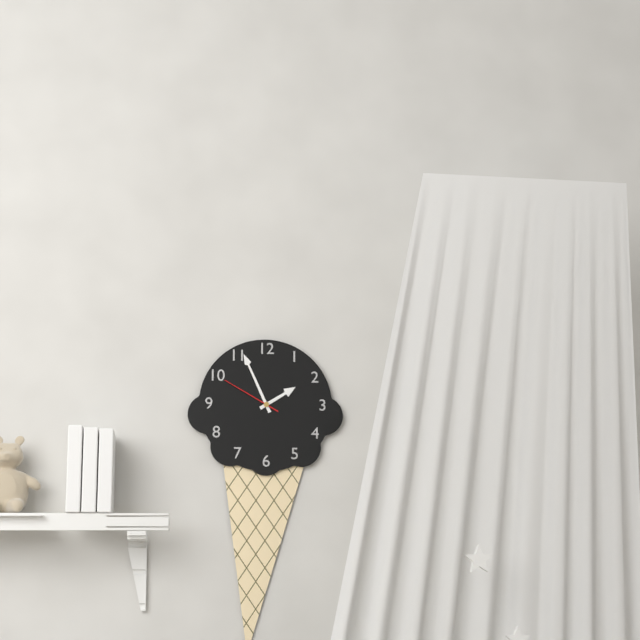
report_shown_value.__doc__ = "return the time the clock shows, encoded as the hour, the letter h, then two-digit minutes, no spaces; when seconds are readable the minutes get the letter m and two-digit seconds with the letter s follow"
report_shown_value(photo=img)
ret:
1h56m50s
